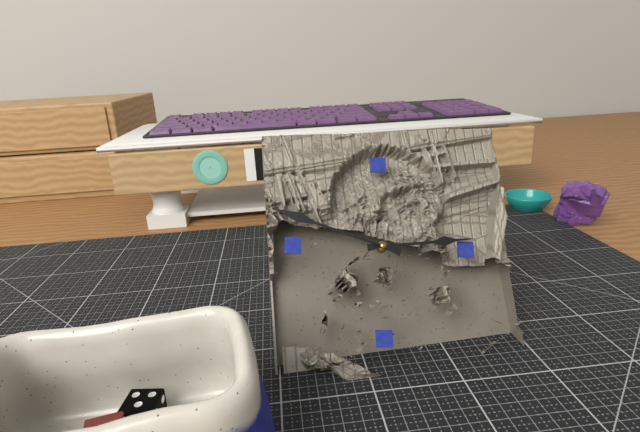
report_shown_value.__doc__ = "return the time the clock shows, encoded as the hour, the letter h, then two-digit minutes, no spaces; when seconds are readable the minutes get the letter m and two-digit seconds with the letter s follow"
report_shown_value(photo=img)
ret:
2h48
